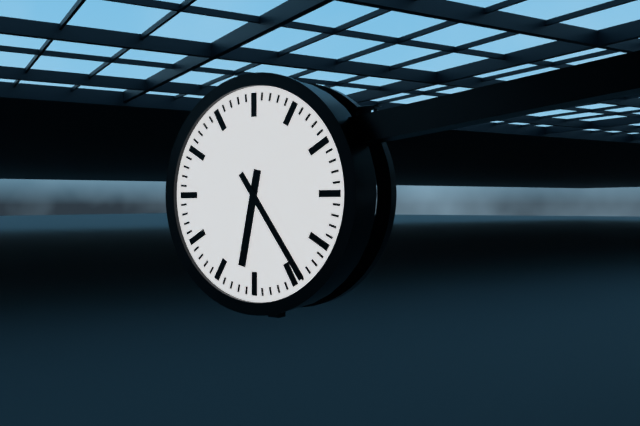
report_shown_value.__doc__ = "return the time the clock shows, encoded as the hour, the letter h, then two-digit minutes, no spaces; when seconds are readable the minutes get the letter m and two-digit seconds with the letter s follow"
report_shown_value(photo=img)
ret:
6h24
